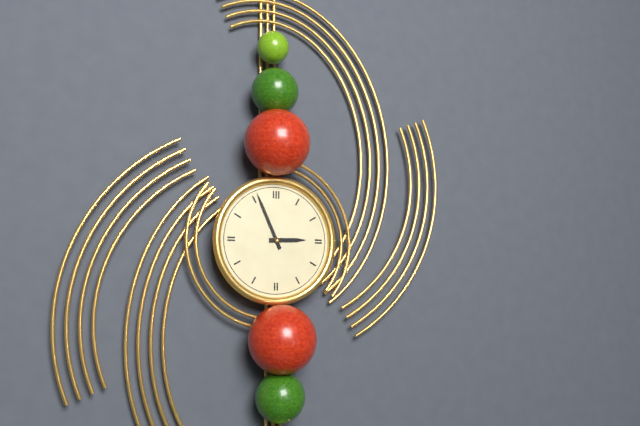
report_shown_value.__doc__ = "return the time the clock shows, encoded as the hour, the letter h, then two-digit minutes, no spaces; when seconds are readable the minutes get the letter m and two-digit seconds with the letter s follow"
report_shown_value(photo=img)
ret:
2h56
